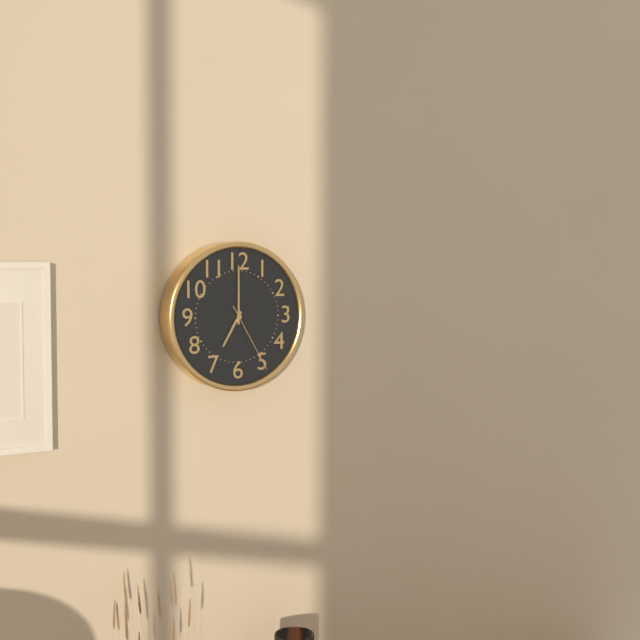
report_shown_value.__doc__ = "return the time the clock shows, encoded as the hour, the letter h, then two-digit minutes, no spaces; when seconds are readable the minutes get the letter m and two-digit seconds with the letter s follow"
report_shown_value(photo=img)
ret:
7h00m25s
